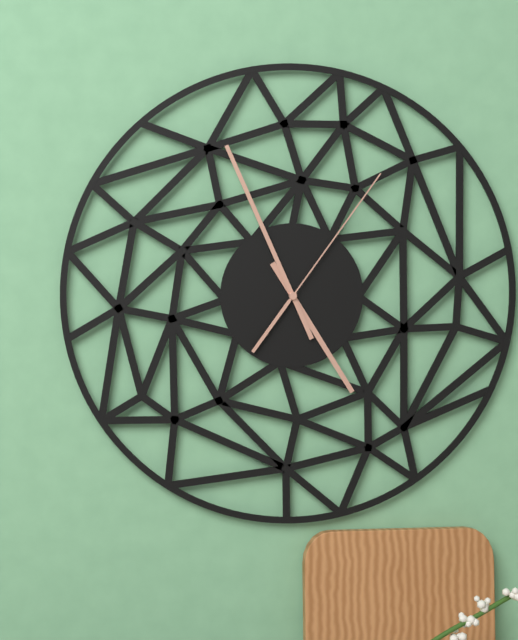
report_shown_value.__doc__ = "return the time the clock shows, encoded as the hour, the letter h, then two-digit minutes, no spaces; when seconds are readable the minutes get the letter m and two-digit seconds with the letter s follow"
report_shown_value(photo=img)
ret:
4h56m06s
